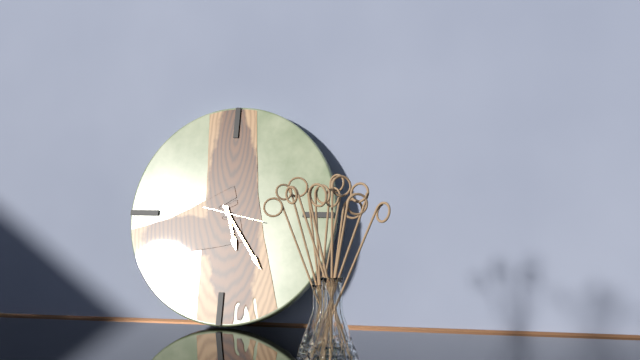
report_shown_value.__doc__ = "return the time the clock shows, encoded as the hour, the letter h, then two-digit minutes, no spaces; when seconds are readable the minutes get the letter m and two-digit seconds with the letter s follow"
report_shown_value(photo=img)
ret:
5h24
